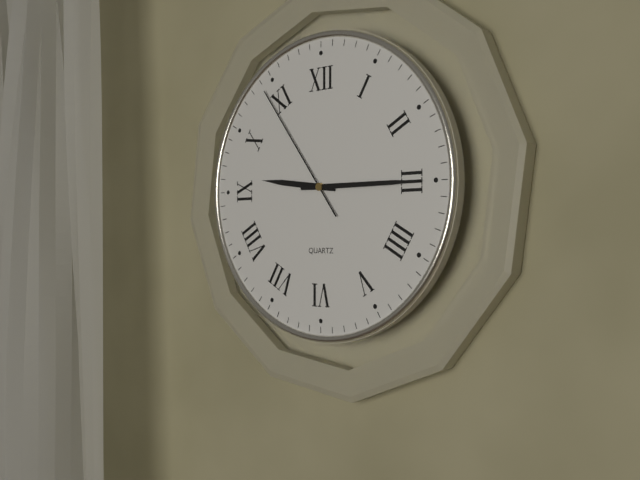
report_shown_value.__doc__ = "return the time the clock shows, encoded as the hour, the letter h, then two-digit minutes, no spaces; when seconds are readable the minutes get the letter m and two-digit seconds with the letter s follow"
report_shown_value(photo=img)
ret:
9h15m54s
